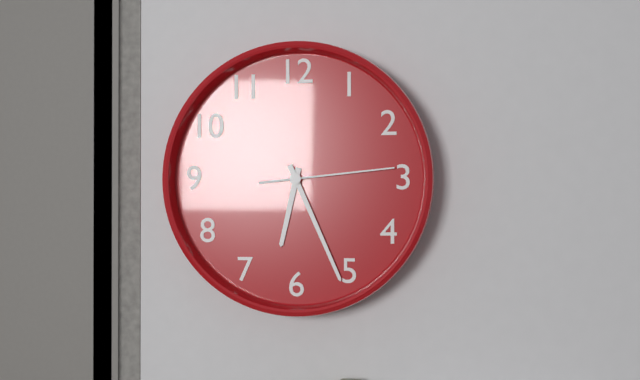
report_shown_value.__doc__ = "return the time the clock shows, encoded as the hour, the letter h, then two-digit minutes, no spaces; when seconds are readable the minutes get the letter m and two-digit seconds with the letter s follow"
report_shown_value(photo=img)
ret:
6h26m14s
